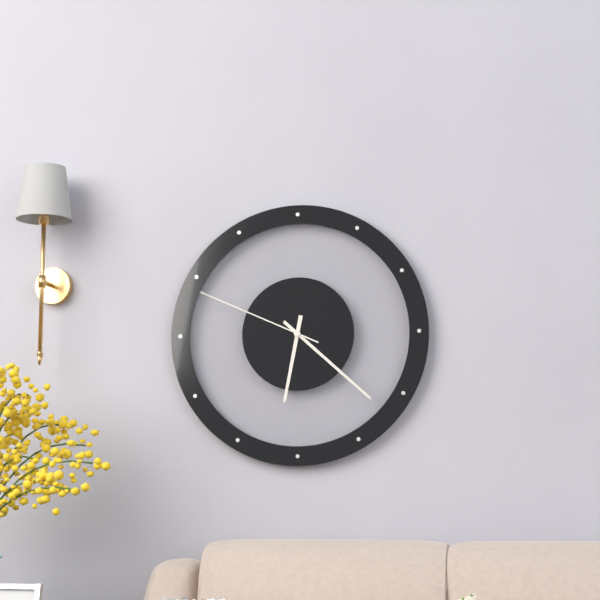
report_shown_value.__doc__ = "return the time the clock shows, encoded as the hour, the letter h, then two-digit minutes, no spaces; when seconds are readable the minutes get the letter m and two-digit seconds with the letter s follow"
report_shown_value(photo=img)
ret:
6h22m49s
